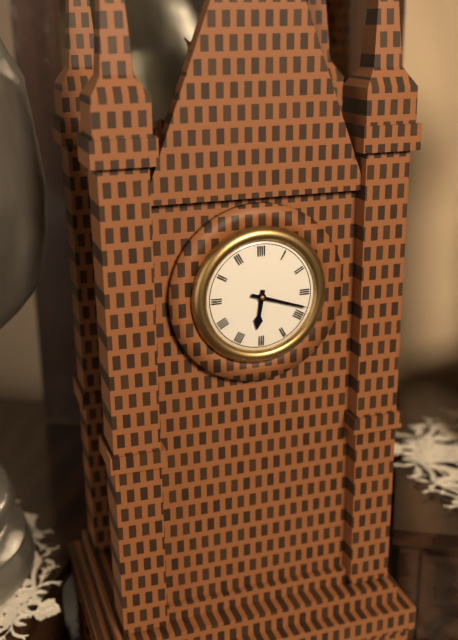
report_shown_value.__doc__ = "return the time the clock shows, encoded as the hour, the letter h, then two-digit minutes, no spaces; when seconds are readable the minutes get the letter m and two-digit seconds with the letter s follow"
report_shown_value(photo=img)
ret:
6h18
